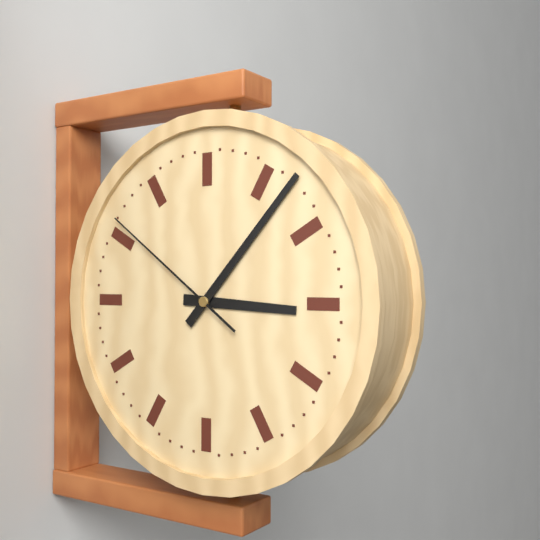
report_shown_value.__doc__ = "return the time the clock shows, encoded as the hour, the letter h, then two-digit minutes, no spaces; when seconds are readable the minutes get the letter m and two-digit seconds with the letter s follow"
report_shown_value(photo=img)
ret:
3h07m51s
